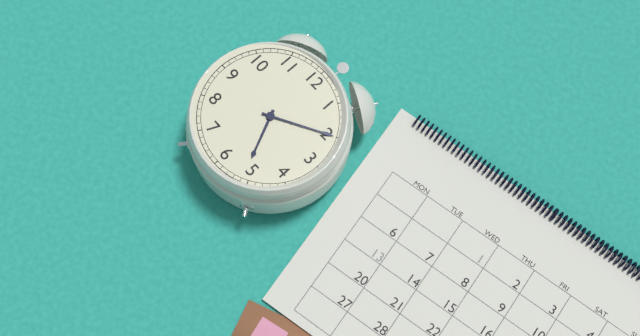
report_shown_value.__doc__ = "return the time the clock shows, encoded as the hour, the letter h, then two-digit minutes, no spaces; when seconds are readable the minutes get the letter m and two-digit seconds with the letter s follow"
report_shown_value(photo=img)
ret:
5h10
